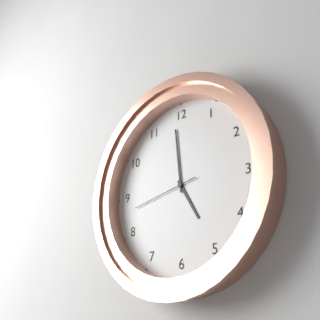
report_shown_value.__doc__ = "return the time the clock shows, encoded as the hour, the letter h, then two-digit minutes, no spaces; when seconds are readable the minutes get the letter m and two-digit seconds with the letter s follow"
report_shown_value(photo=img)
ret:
4h59m43s
